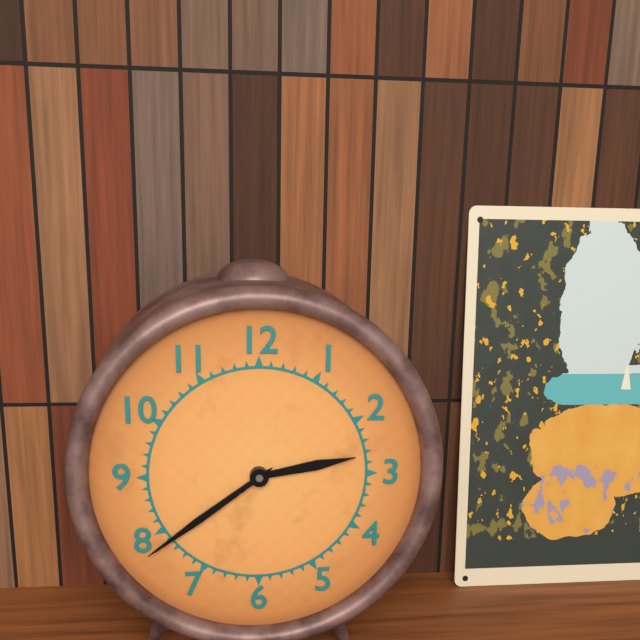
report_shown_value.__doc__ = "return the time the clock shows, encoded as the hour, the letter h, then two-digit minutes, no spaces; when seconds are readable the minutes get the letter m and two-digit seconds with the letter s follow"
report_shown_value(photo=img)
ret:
2h39
